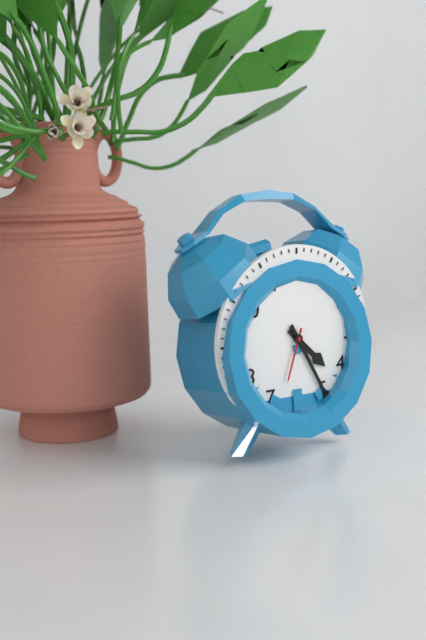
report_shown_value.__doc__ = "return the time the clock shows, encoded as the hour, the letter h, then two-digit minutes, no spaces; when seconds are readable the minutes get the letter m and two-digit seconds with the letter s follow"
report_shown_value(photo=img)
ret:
4h25m33s
